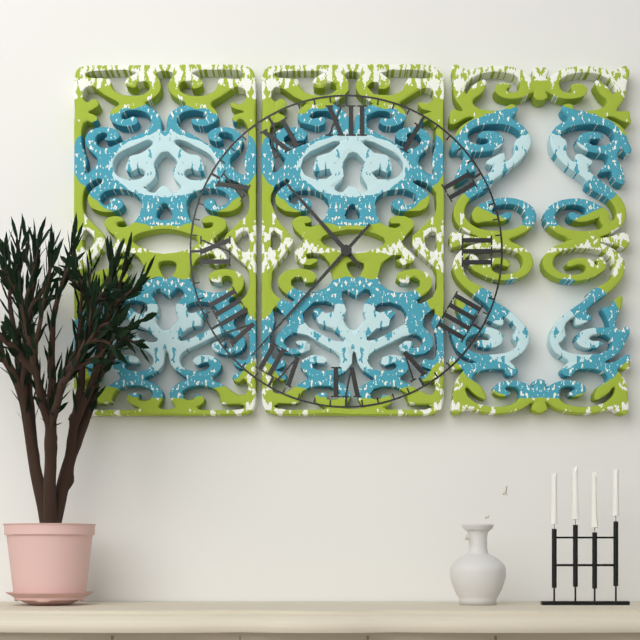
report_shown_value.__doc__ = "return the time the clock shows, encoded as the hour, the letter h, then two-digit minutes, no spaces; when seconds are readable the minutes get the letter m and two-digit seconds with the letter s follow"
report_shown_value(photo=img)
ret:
10h37
